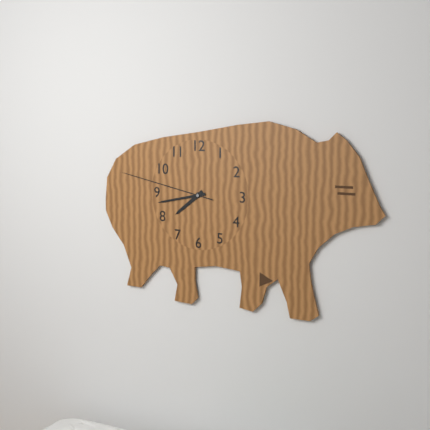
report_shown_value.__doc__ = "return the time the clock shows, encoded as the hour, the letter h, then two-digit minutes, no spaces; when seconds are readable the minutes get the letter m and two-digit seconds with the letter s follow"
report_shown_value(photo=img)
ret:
7h43m47s
